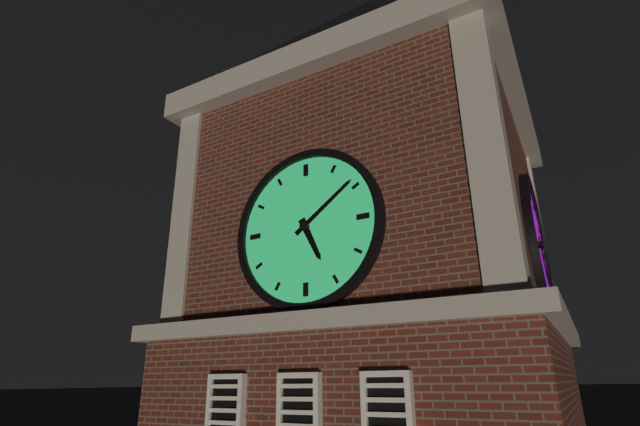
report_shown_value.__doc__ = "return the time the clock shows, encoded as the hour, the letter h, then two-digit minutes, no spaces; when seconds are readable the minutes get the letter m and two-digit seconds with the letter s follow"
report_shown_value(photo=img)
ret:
5h09
